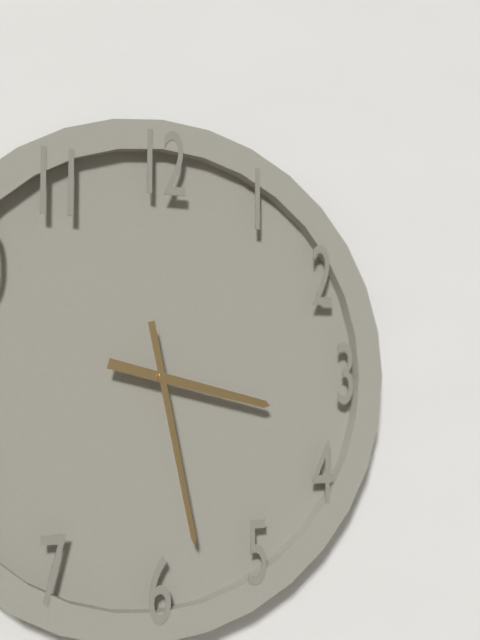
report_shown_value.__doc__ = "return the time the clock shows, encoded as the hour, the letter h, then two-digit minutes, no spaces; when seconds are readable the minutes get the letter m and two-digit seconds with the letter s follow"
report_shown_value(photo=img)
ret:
3h28
